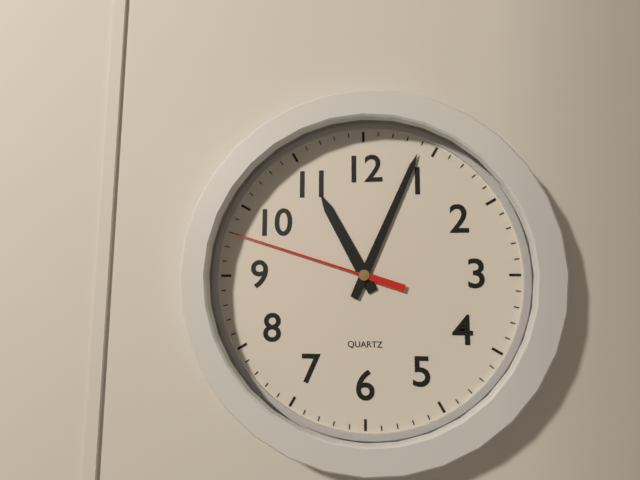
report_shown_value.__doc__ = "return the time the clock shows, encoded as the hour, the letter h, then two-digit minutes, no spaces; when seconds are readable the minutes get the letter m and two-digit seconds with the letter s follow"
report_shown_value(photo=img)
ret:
11h04m48s
